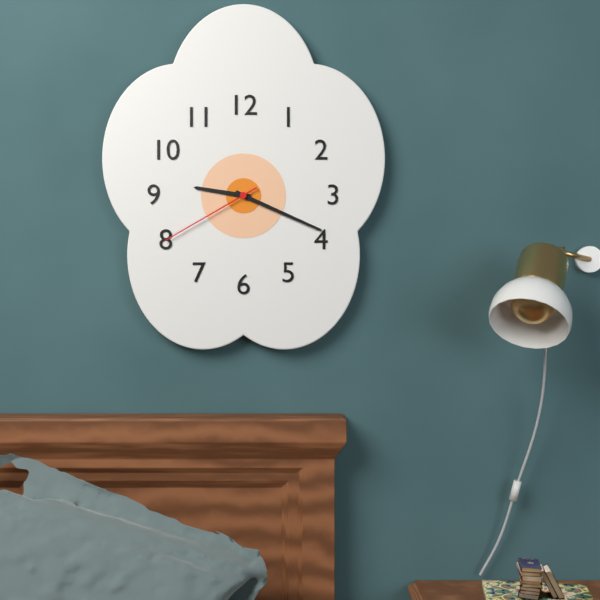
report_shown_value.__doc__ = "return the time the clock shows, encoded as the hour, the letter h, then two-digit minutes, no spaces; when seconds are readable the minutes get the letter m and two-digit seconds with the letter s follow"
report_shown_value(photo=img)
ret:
9h19m40s
